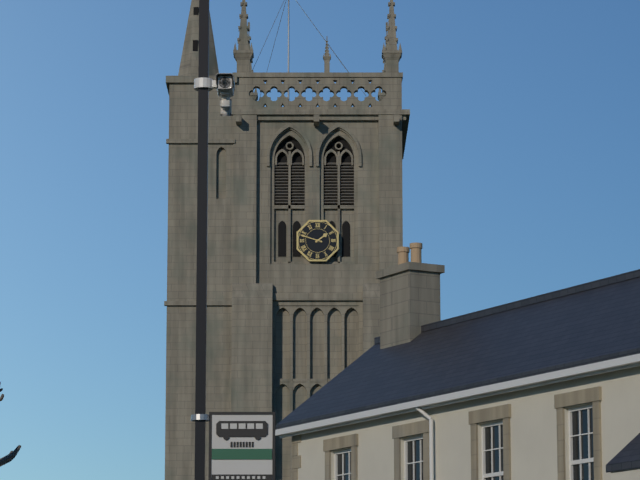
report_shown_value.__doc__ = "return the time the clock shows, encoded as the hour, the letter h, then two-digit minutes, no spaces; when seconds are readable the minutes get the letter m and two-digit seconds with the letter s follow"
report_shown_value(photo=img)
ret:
1h48
